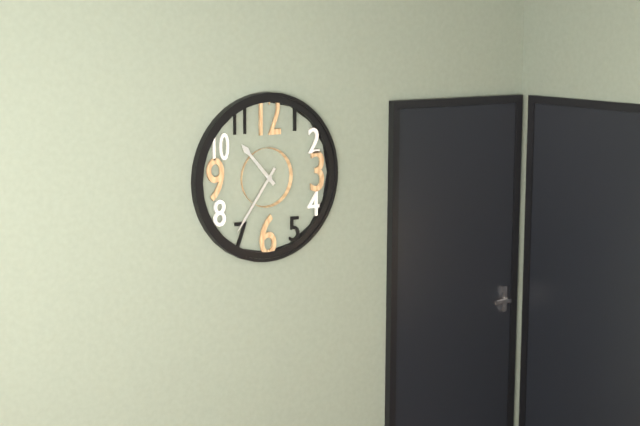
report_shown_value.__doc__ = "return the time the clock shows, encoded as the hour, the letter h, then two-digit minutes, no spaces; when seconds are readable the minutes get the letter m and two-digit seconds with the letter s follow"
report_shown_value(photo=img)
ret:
10h36
